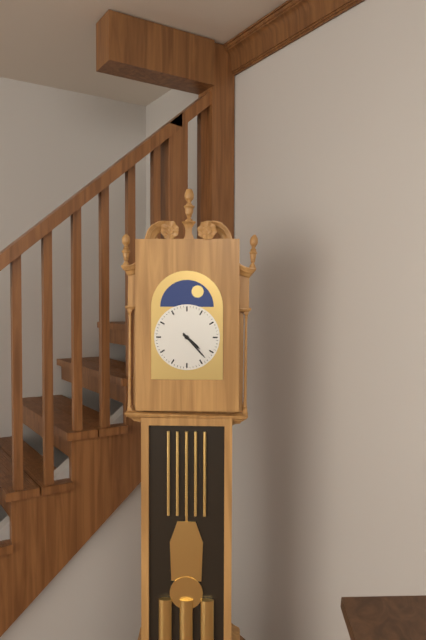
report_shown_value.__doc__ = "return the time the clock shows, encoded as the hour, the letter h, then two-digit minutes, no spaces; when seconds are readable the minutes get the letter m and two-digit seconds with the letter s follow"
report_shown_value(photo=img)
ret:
4h23
